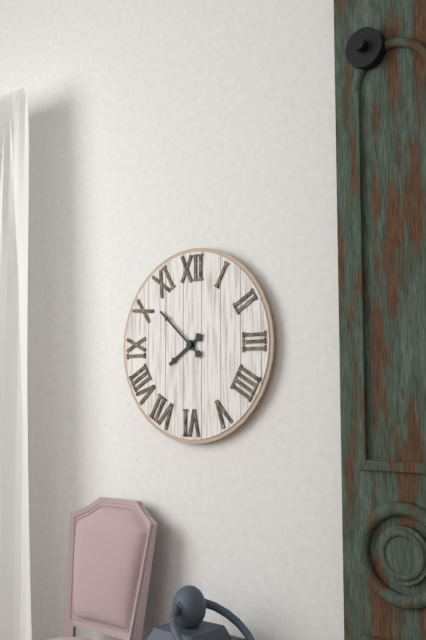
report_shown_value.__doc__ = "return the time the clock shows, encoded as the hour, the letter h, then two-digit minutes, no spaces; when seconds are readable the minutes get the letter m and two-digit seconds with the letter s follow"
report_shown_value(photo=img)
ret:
7h52
